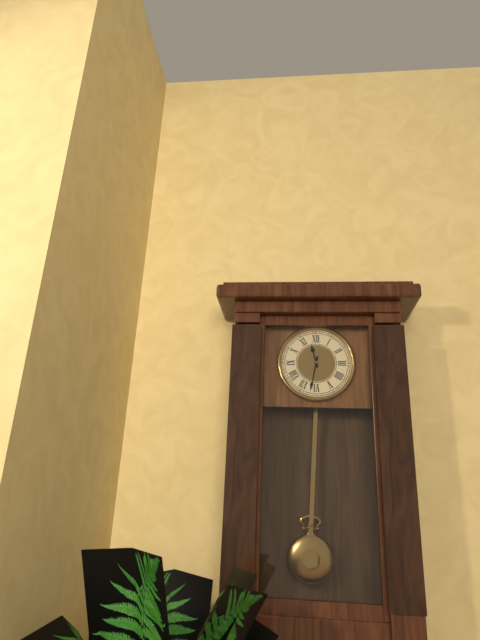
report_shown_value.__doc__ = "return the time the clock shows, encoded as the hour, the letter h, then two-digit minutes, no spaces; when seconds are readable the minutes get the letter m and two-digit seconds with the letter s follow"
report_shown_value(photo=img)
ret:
11h32
